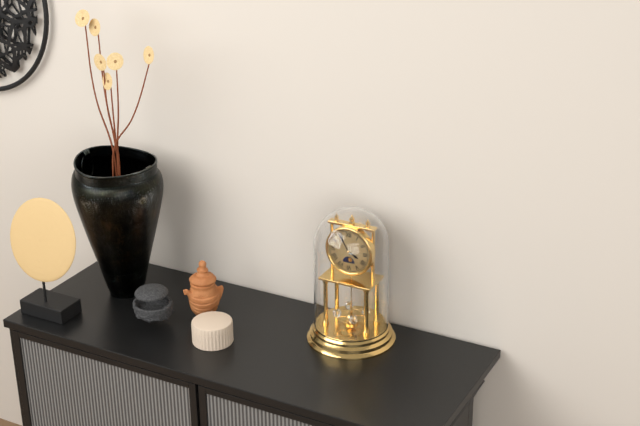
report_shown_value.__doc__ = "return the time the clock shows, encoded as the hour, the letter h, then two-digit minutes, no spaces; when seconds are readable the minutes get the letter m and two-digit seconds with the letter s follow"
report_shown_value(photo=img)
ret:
3h55
